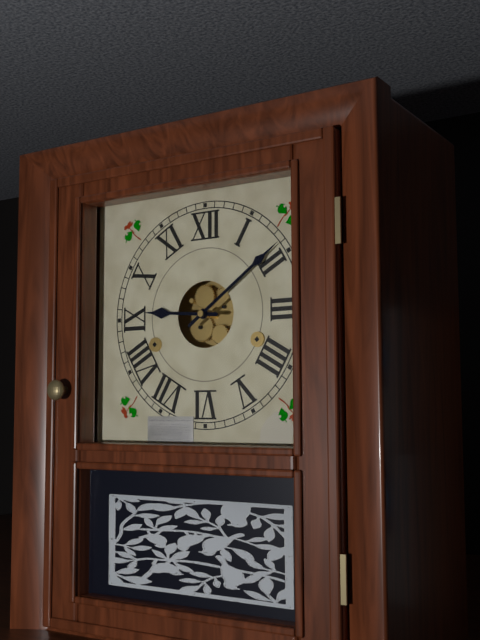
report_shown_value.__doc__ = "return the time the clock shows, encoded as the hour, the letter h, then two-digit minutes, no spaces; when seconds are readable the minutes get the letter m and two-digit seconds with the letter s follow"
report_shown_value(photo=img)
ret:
9h09
